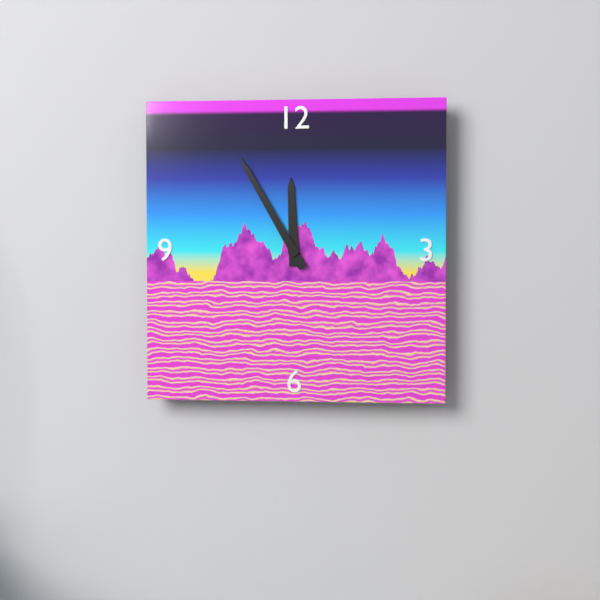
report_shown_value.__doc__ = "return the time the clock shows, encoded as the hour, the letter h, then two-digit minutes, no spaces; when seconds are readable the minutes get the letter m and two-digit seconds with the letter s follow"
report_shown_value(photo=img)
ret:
11h55
